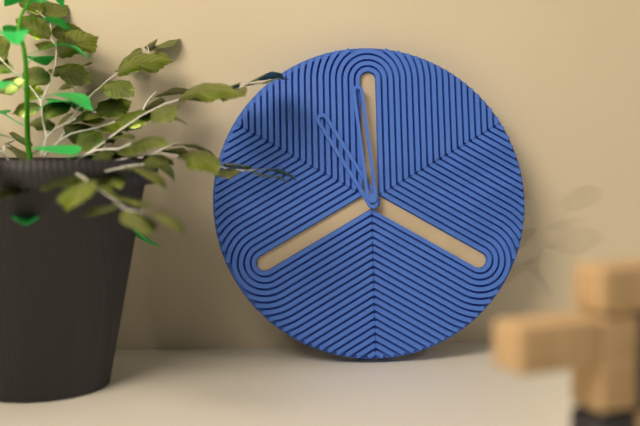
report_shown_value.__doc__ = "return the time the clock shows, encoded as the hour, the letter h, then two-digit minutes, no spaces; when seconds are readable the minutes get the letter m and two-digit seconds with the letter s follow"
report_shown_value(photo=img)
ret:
10h59
